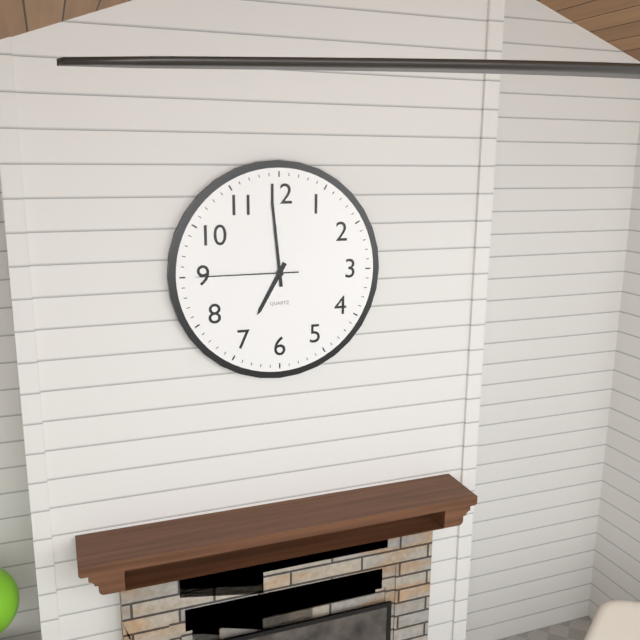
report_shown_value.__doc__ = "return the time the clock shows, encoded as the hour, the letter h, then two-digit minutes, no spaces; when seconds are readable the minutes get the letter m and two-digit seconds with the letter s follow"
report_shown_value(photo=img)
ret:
6h59m45s
